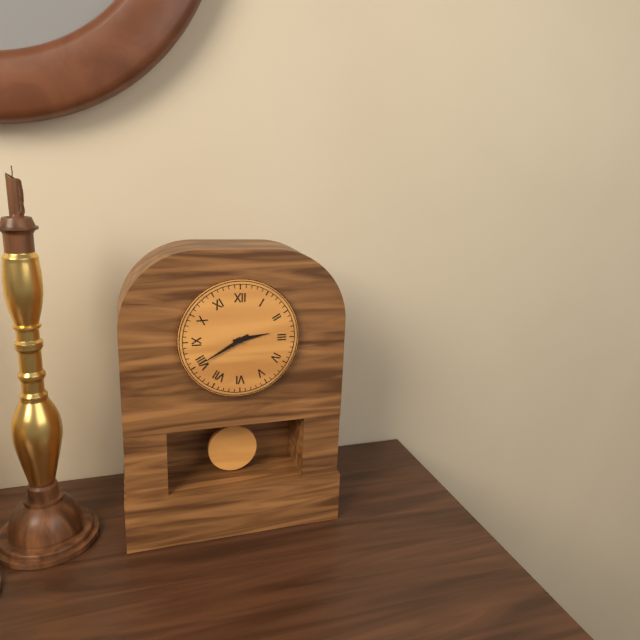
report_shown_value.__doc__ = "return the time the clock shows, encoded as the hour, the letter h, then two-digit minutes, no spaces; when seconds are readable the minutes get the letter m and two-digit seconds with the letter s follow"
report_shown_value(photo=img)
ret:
2h40
